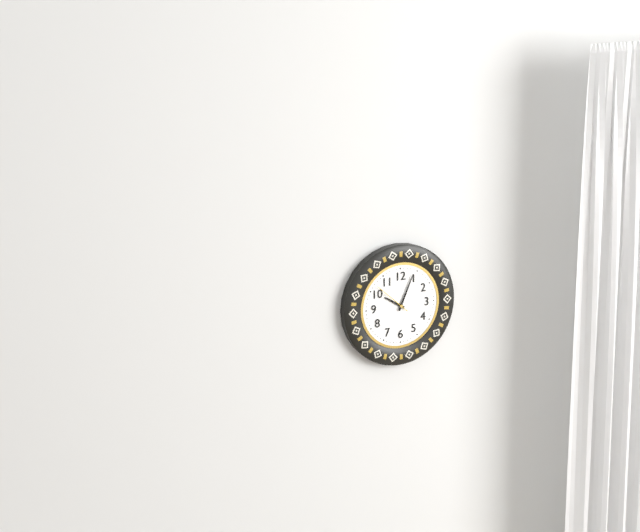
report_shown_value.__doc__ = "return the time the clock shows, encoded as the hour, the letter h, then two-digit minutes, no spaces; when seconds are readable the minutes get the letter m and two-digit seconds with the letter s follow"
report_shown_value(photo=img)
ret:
10h04
